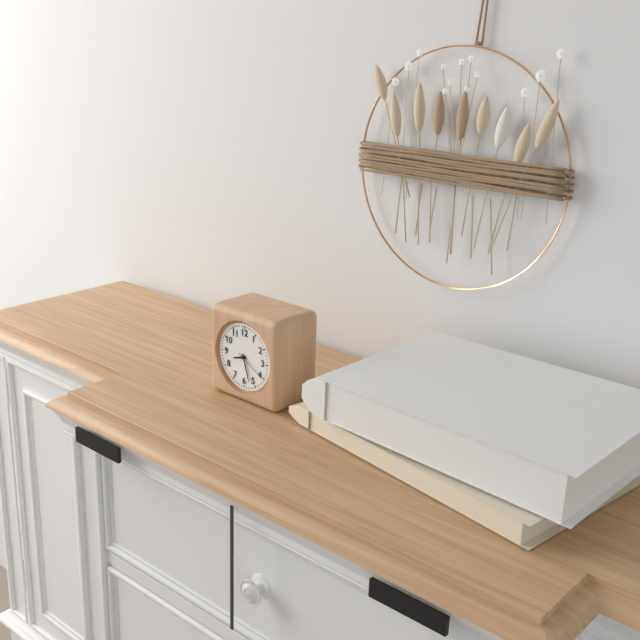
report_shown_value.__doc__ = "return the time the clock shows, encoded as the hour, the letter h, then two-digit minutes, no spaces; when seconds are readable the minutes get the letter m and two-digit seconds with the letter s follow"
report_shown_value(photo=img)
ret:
8h27
